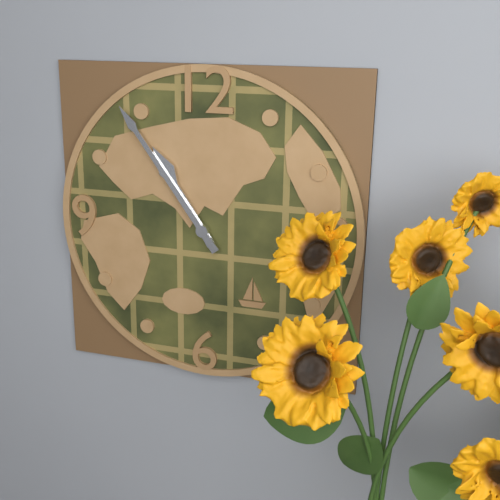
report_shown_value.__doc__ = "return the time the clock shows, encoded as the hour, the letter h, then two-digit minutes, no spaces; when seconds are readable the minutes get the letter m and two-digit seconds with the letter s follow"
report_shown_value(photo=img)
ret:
10h54
